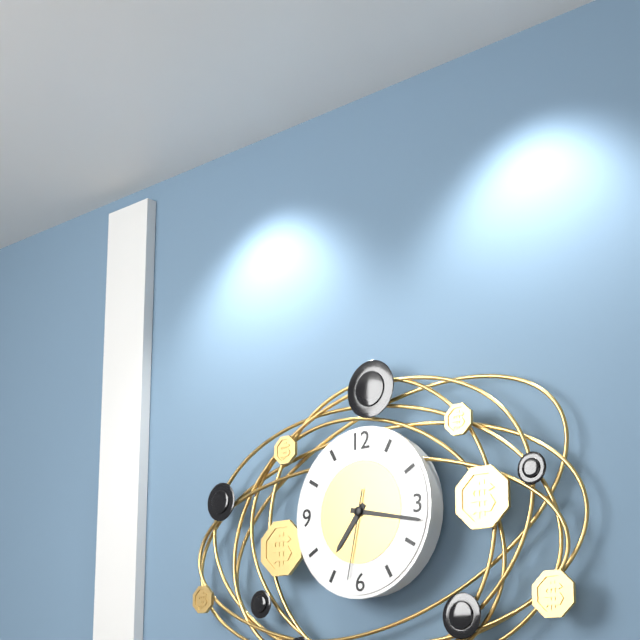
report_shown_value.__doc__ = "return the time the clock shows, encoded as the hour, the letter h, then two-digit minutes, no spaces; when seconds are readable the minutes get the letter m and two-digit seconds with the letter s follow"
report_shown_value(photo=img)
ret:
7h17m32s
